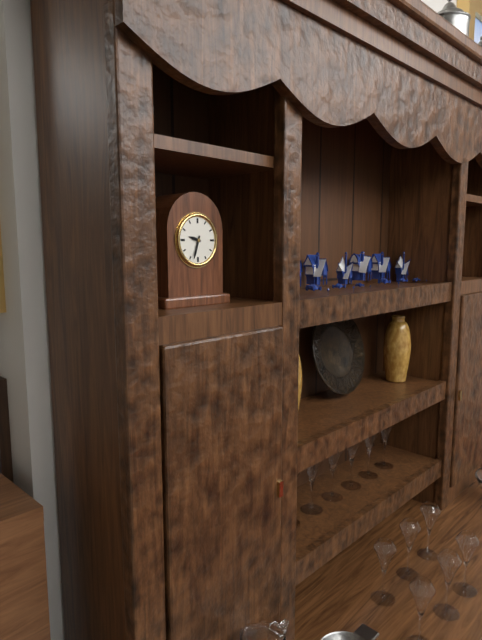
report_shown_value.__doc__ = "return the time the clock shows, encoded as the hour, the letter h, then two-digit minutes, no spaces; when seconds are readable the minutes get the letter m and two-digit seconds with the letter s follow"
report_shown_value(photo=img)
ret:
9h33
